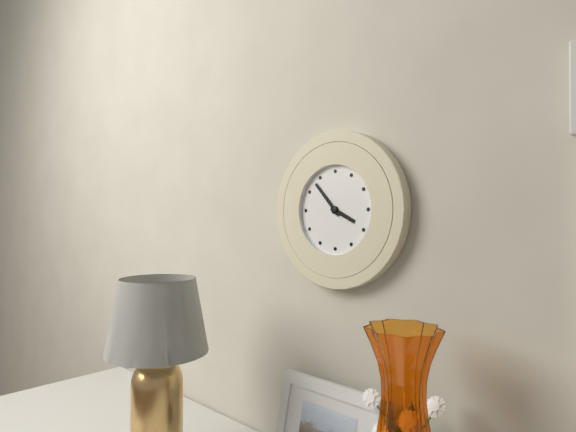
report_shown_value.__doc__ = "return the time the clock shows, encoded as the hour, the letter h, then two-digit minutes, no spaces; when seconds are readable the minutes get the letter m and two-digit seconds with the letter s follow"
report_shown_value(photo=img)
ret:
3h53
